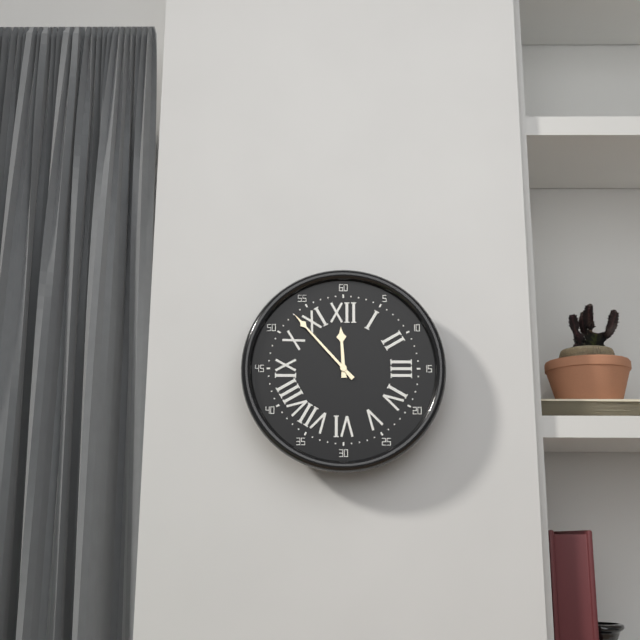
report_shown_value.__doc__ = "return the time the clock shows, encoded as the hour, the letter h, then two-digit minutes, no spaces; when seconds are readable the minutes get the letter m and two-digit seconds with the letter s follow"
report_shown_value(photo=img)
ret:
11h53
